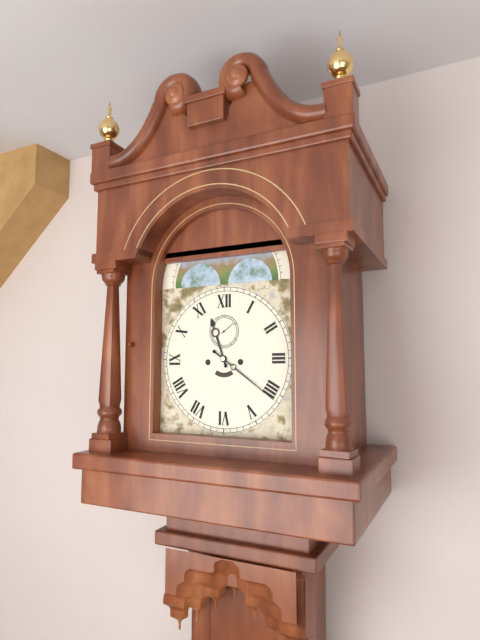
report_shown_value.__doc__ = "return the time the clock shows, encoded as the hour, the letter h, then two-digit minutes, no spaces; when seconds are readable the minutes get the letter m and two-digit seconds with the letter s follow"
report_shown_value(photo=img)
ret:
11h21
